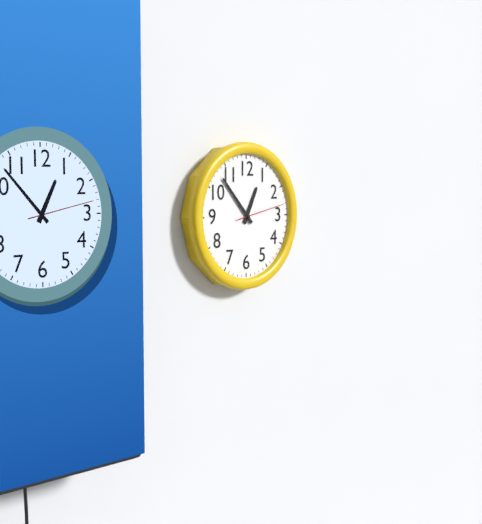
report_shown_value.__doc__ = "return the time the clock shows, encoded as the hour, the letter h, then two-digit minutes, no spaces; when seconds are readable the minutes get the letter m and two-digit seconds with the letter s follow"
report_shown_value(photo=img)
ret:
12h53
